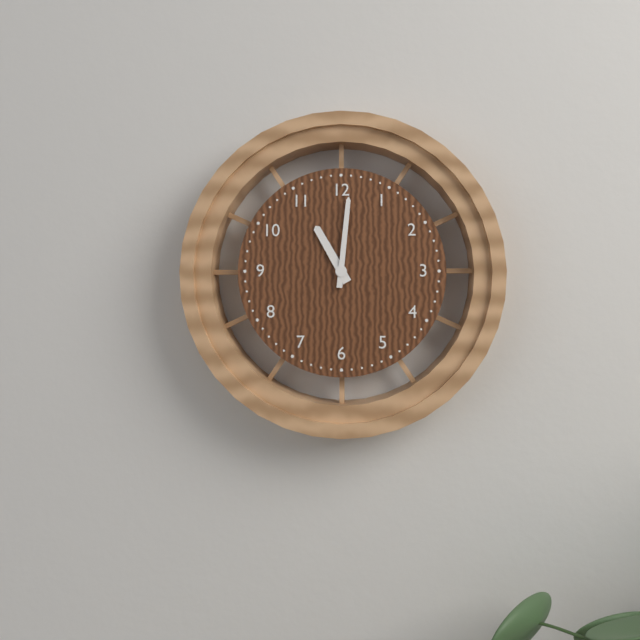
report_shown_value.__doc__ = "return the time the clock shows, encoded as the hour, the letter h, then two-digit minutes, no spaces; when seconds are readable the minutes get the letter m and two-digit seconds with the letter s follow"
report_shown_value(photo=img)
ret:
11h01
